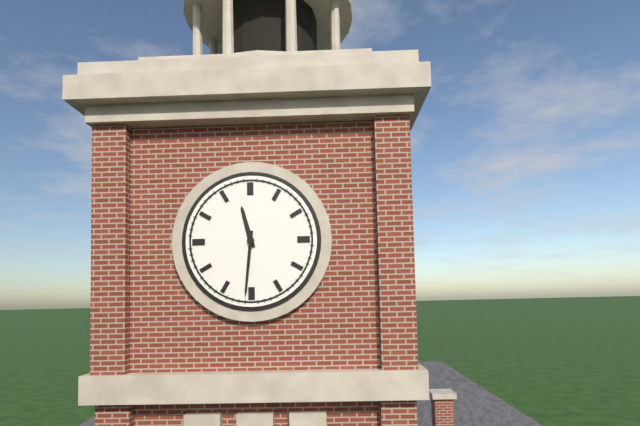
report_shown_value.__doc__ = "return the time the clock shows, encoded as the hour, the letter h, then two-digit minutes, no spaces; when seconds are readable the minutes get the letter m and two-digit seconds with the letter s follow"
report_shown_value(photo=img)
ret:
11h31
